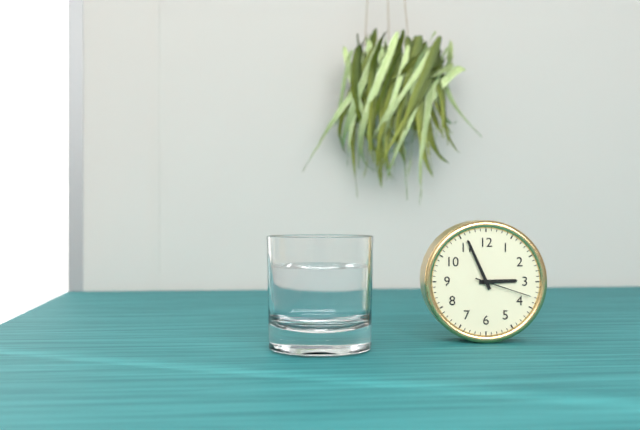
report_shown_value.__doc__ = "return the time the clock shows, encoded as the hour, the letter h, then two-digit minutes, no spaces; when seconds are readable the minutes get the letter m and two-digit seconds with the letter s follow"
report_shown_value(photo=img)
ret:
2h56m18s
